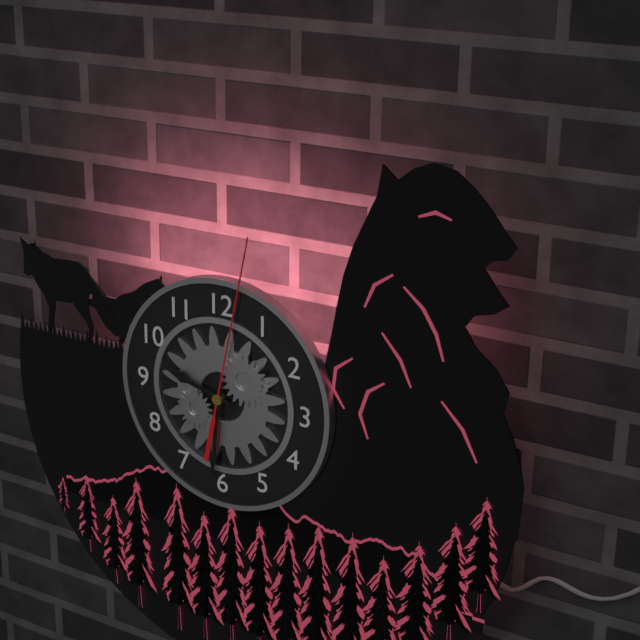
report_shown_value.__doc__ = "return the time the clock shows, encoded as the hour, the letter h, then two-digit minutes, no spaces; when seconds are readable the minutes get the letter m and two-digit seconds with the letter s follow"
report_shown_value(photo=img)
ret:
9h31m02s
